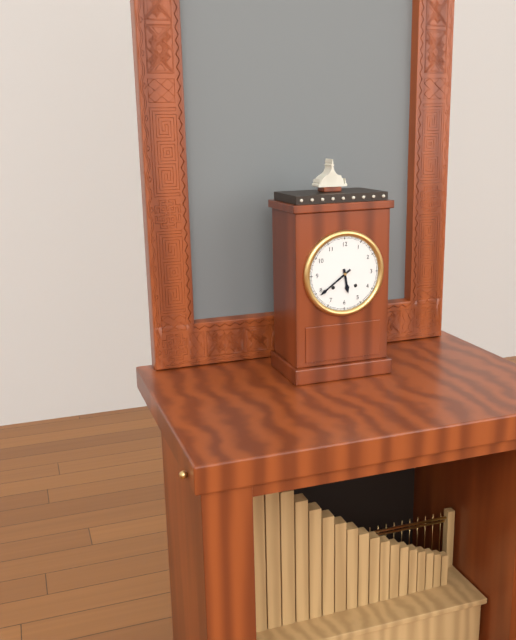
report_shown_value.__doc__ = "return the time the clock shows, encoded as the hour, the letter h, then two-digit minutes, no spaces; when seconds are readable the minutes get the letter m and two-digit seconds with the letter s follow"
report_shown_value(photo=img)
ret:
5h39
